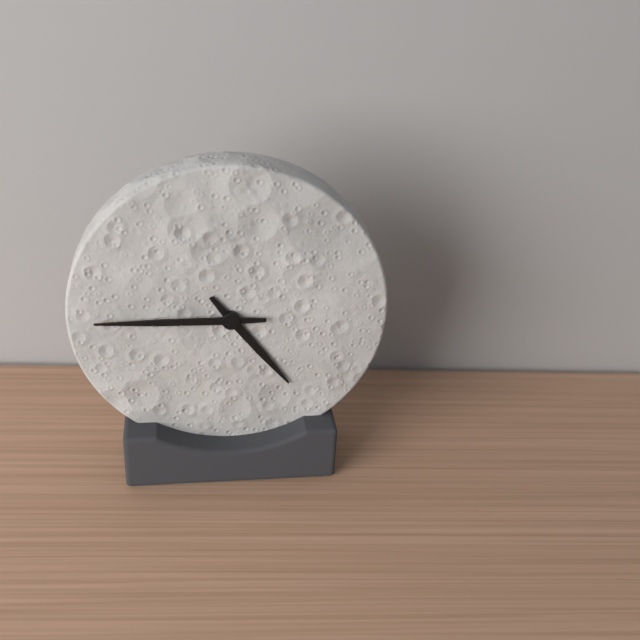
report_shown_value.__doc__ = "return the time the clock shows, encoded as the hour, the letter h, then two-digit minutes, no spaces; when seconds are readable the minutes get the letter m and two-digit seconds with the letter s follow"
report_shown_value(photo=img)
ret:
4h45
